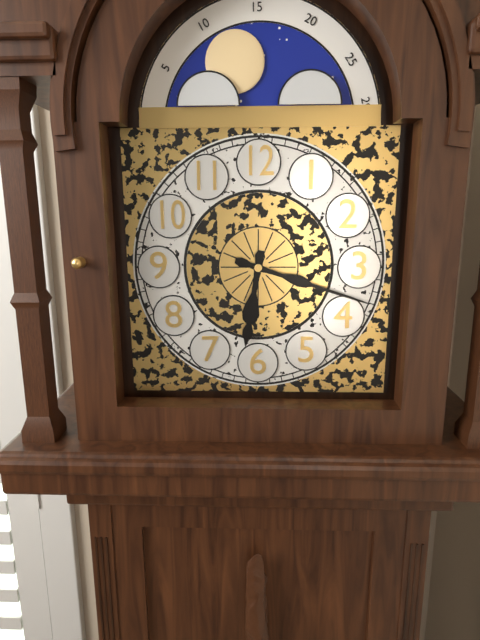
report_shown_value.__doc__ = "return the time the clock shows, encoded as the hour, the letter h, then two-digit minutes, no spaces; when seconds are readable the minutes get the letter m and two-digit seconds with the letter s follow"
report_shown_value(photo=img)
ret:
6h18
